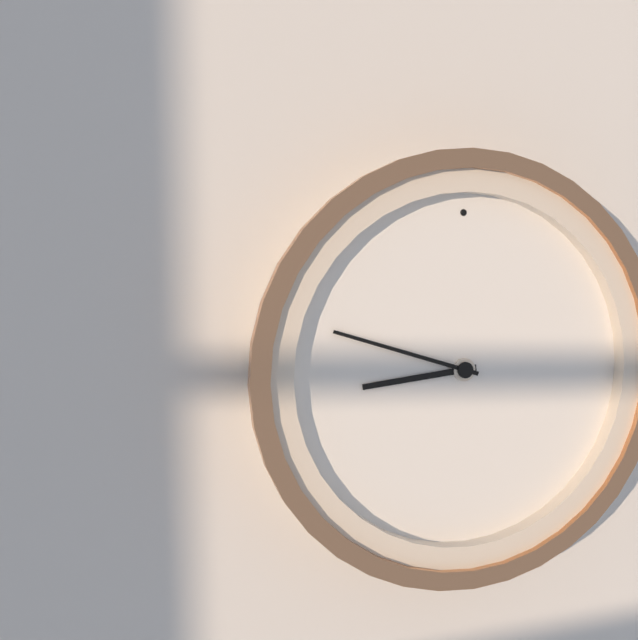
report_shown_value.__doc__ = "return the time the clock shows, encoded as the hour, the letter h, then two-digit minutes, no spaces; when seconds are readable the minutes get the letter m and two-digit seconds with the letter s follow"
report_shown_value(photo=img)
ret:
8h48
